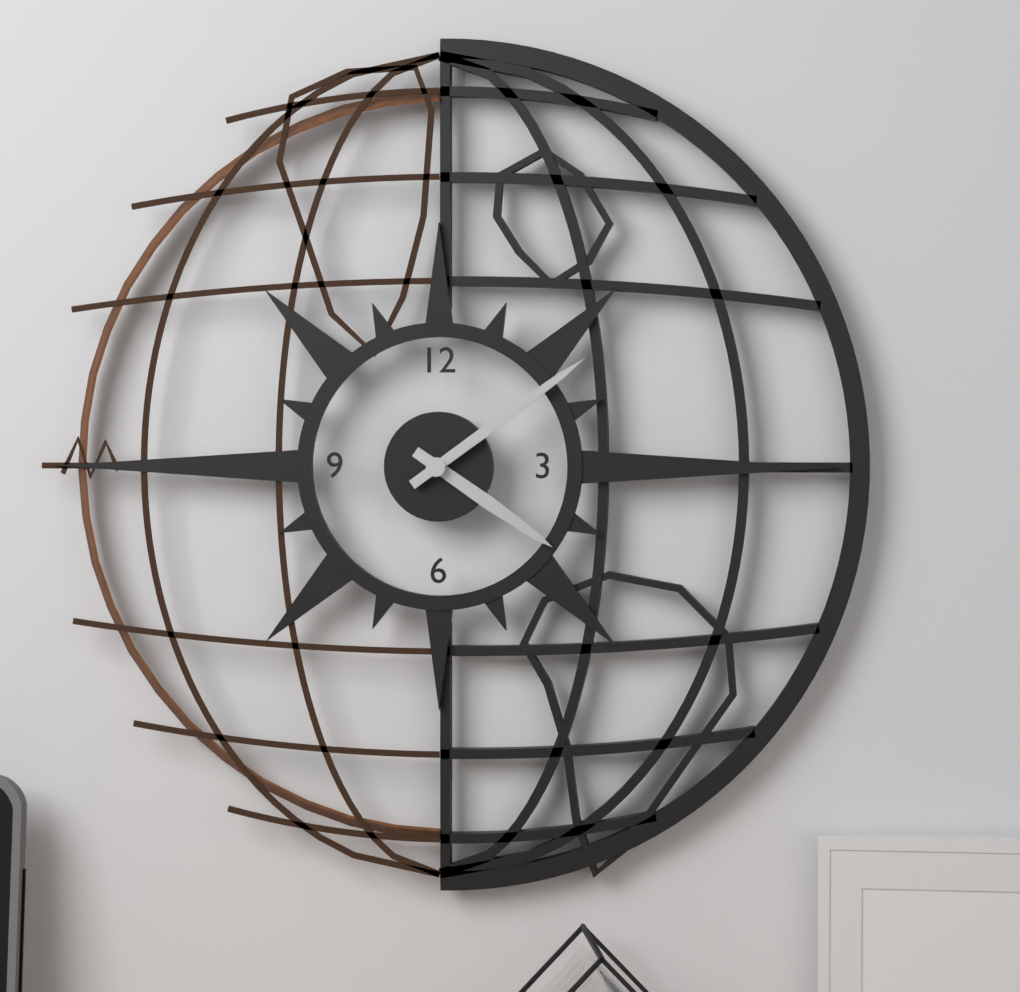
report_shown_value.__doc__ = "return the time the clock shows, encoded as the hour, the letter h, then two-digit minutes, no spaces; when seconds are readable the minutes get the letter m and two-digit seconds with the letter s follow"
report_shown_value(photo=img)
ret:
4h09
